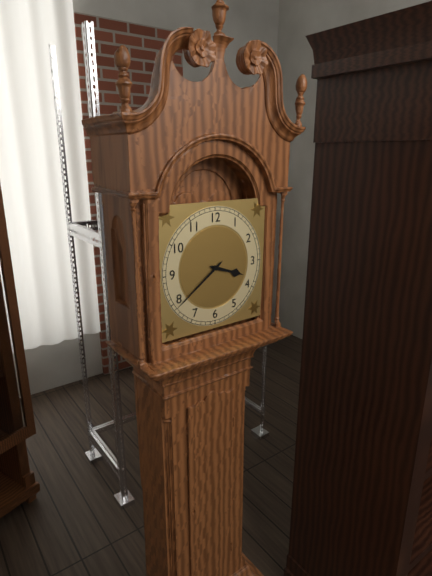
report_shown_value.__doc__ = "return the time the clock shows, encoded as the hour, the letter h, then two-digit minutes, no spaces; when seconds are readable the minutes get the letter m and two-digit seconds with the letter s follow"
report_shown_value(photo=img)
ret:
3h39
